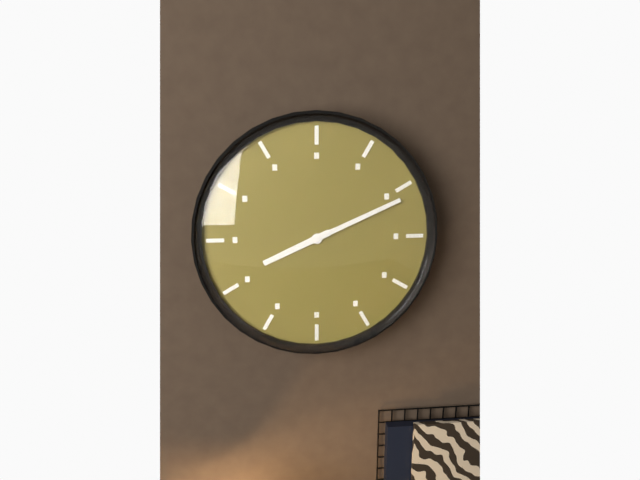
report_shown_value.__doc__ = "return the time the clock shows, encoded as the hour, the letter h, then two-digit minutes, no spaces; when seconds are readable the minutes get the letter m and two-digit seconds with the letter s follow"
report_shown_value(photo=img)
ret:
8h11
